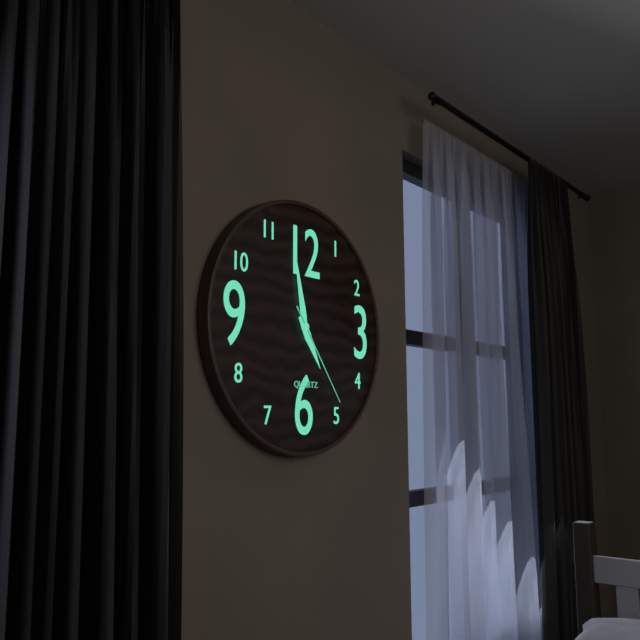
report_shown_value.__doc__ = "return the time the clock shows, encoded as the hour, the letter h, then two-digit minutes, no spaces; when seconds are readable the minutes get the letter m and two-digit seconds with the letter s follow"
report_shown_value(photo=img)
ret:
4h58m24s
